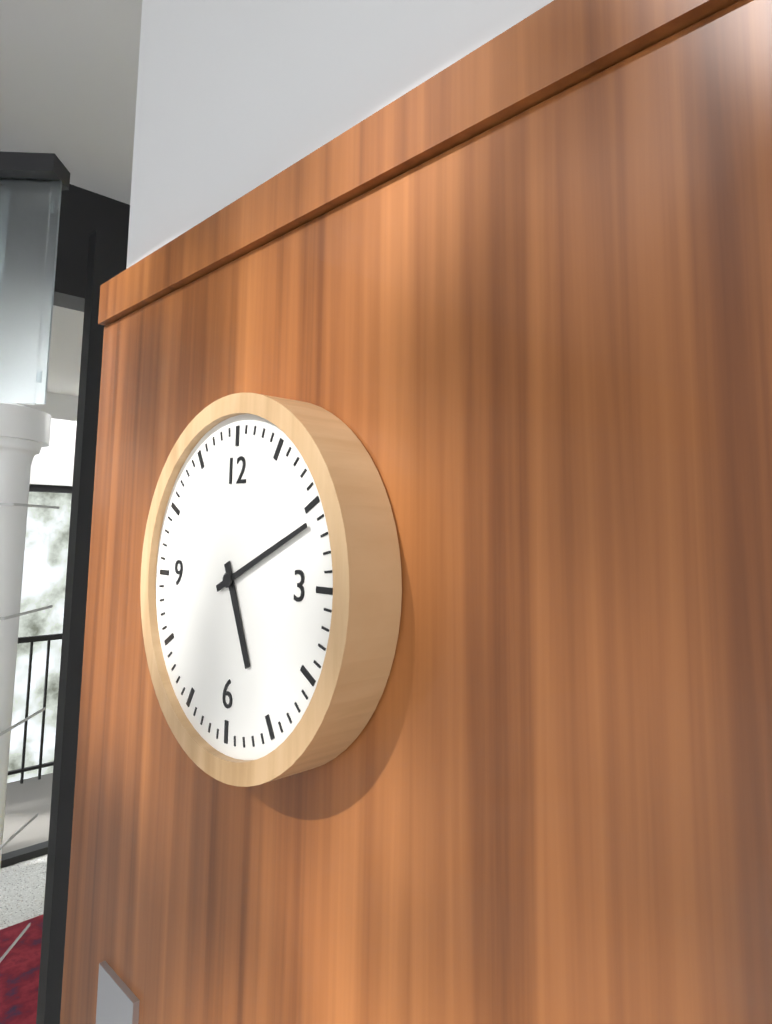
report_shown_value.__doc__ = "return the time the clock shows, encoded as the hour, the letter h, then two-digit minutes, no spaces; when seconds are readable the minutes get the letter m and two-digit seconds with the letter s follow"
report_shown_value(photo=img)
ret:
5h11
